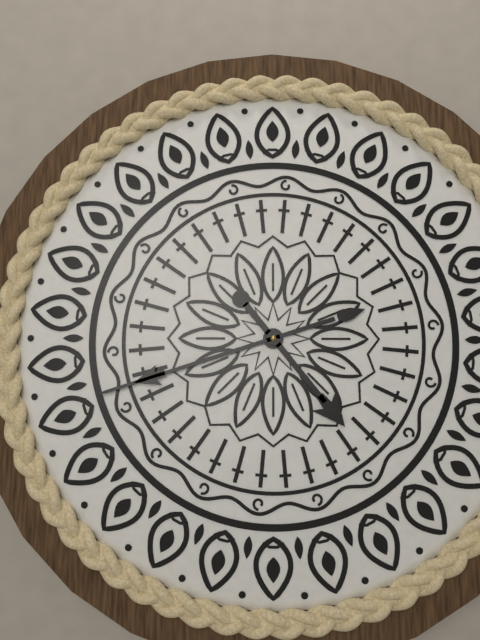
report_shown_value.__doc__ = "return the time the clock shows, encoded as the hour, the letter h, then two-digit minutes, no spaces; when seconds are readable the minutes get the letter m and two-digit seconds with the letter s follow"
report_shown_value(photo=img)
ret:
4h42
